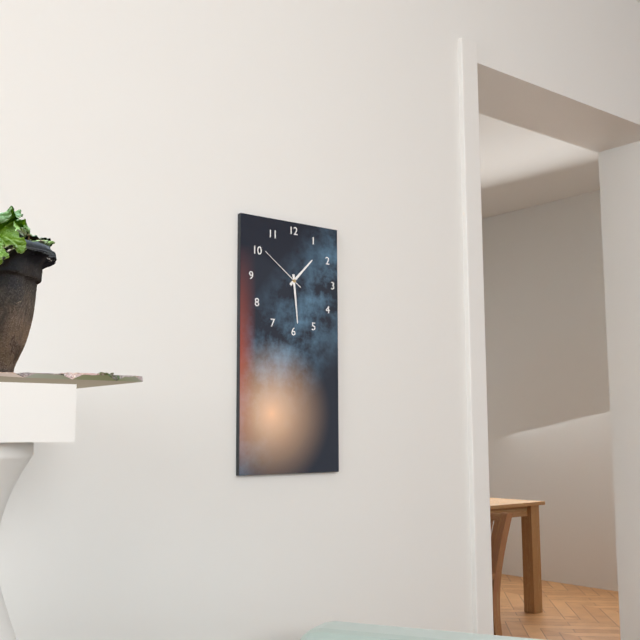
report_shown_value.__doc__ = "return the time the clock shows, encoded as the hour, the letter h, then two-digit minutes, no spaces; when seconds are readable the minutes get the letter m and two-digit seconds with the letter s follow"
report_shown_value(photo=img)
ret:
1h29m51s
